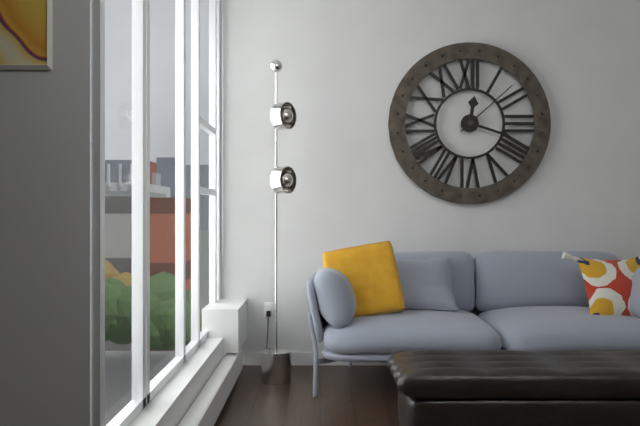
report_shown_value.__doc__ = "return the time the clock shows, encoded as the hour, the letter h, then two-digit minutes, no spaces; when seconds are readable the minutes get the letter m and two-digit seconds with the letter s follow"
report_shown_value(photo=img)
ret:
12h18m08s
